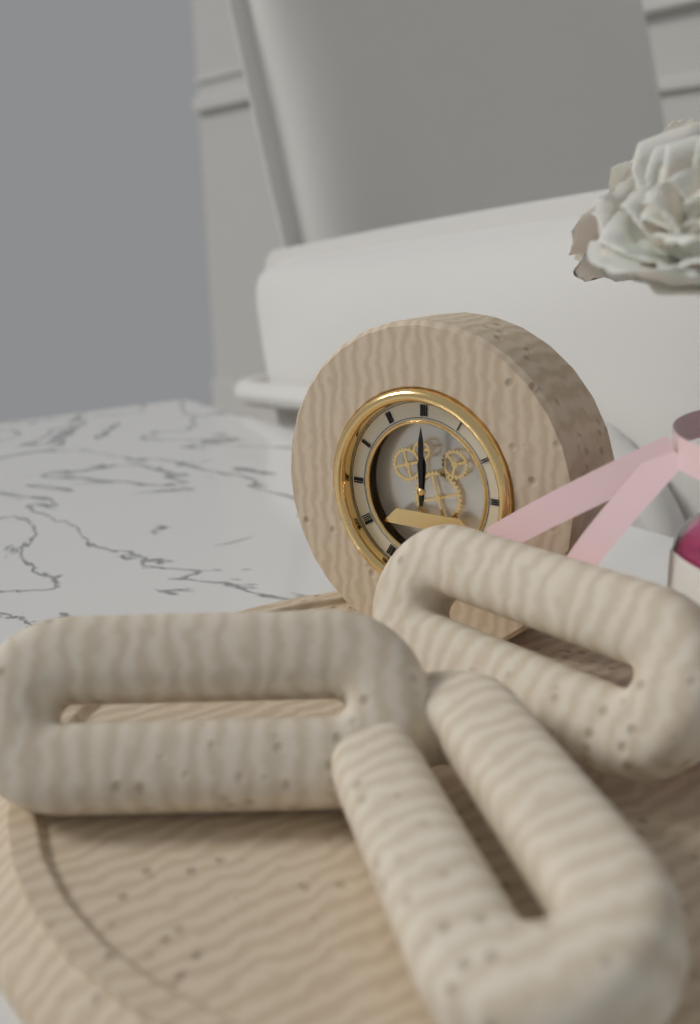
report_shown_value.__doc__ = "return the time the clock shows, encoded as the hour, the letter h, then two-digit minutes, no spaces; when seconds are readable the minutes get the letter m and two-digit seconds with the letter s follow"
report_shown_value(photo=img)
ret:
12h00
